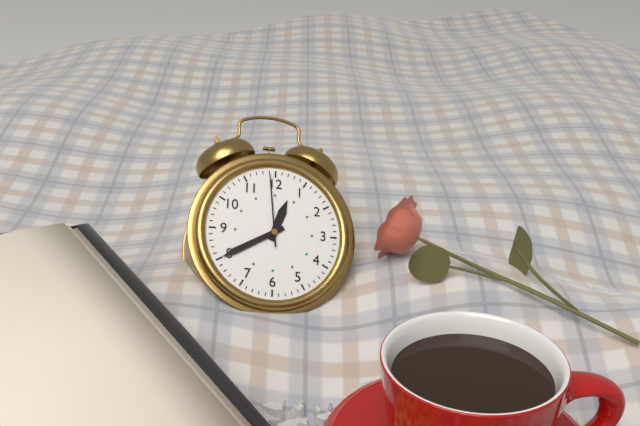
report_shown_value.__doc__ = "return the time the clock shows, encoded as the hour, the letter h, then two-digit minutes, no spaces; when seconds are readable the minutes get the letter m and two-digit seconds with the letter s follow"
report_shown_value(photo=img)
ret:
12h40m59s
